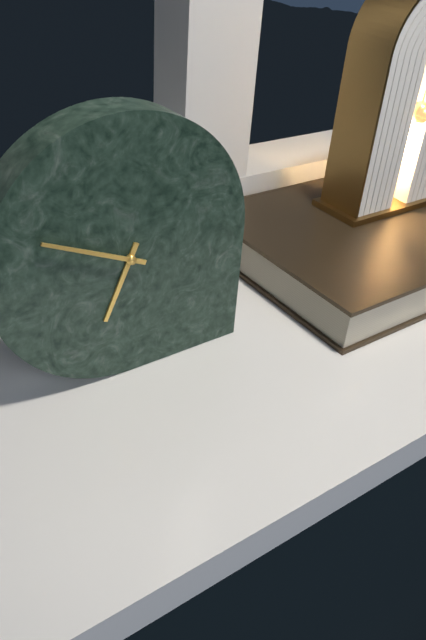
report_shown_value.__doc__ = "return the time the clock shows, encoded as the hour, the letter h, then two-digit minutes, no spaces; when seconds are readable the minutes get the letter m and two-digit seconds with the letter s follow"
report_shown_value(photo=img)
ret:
6h49
